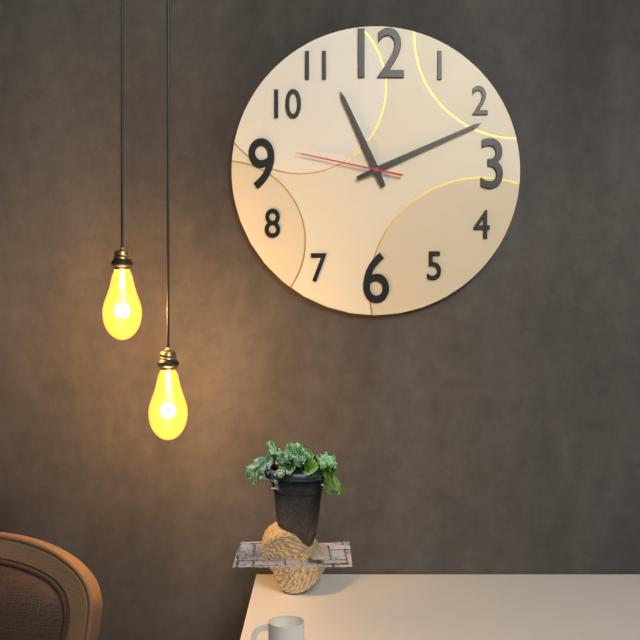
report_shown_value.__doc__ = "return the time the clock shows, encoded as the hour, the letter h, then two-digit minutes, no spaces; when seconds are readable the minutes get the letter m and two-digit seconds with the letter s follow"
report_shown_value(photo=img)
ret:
11h11m47s
